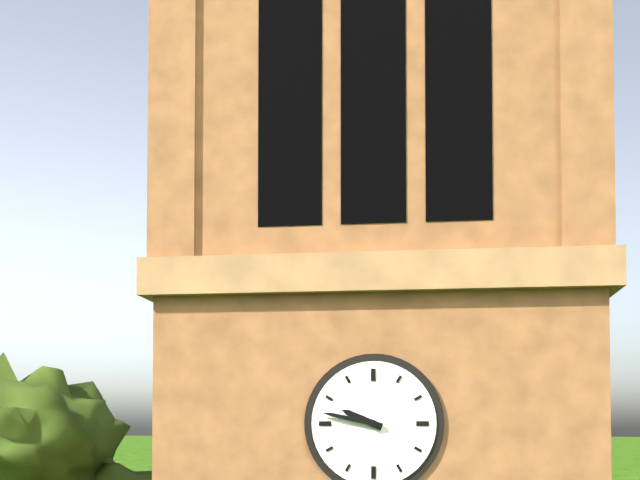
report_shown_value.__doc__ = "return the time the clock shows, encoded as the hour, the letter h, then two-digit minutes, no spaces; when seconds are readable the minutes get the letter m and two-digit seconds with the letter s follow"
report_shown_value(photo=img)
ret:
9h47
